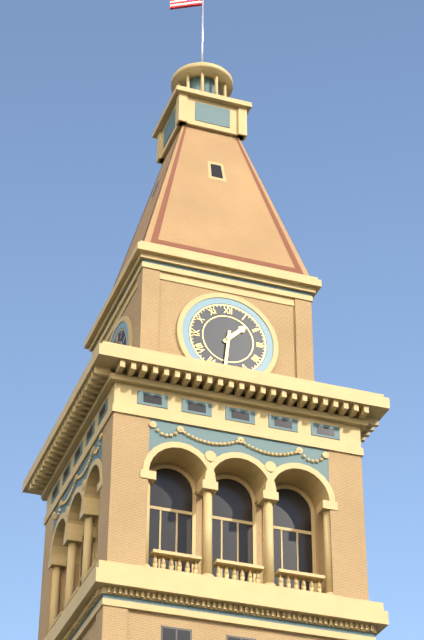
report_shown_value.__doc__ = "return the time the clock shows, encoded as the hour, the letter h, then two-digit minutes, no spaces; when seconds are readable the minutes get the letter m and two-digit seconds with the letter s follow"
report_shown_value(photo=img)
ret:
1h31
